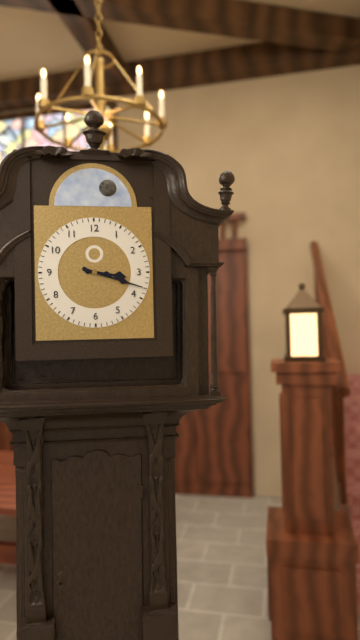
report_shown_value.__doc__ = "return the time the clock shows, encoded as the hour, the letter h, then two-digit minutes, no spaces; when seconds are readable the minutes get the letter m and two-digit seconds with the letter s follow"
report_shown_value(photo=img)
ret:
3h18
